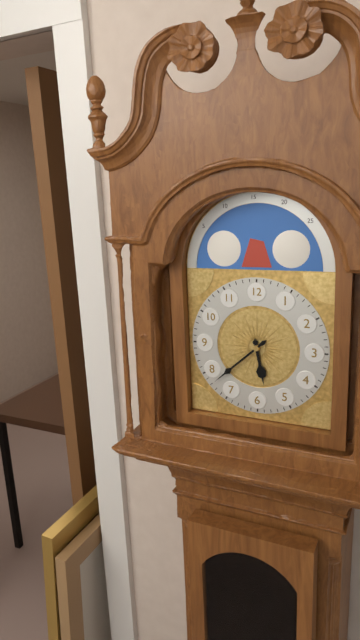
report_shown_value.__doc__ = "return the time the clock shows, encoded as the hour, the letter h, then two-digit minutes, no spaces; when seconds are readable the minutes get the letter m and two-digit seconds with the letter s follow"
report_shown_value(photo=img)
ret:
5h38
